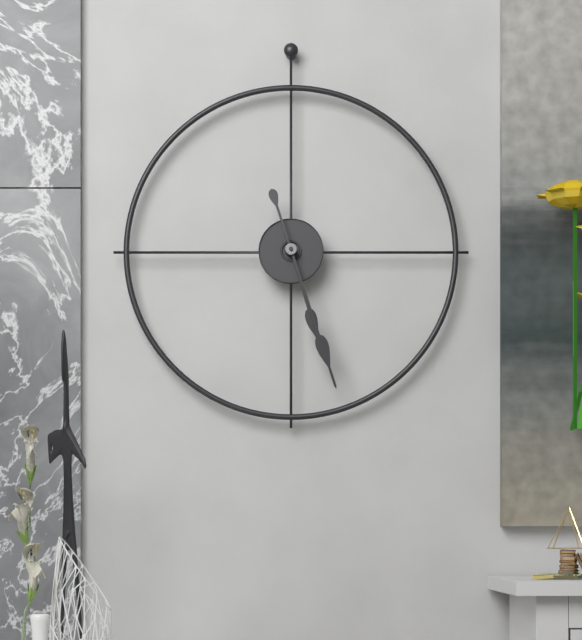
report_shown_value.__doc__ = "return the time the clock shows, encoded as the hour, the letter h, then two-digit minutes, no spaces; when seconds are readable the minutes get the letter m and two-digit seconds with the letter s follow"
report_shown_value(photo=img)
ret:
5h27
